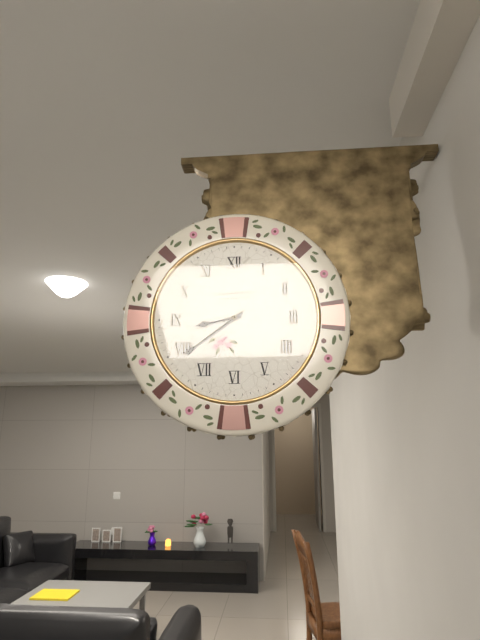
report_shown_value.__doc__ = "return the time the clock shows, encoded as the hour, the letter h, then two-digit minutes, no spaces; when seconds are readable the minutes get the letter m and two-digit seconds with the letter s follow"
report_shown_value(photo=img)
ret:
8h39
